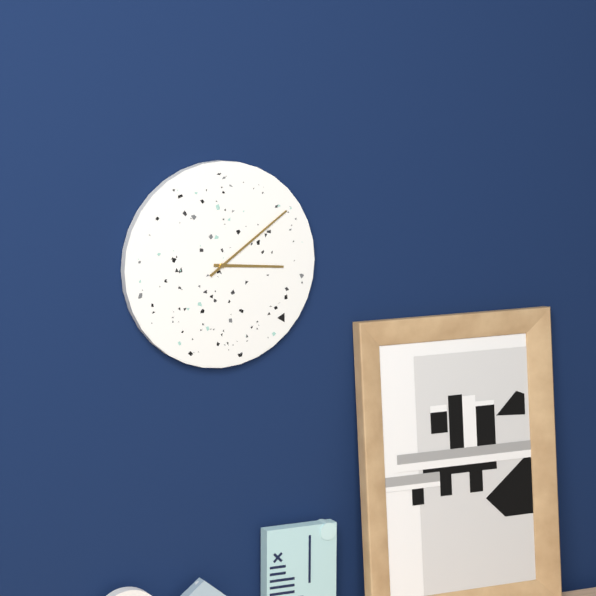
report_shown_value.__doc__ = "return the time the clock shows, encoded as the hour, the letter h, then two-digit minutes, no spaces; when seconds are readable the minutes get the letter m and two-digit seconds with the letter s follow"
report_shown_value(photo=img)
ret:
3h09
